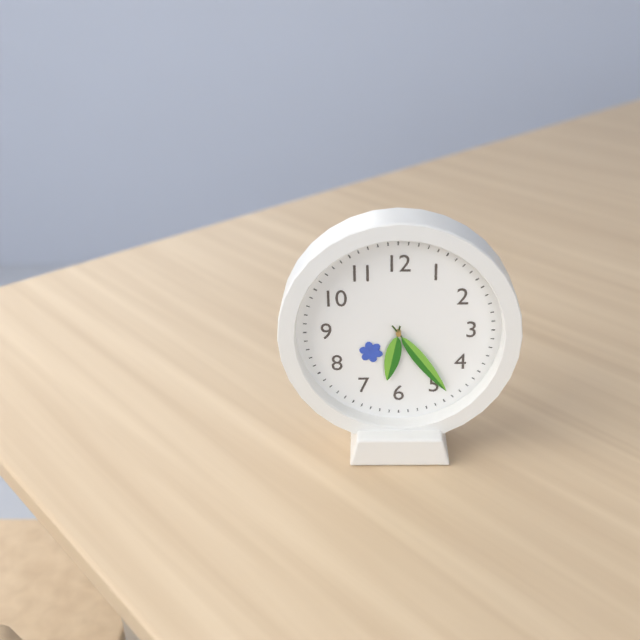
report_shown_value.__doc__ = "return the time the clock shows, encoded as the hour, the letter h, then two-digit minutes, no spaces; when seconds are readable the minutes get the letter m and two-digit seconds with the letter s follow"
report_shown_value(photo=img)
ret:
6h24
